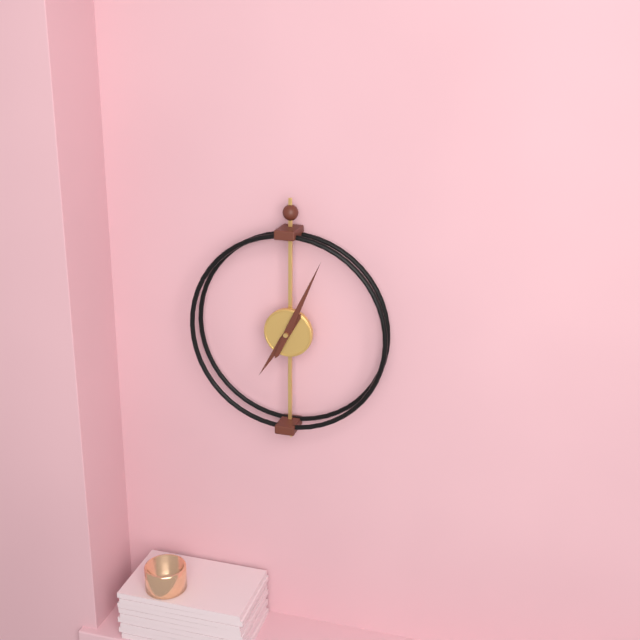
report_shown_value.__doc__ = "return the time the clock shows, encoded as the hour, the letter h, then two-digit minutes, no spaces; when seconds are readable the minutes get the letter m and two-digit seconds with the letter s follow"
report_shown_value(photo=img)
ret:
7h04
